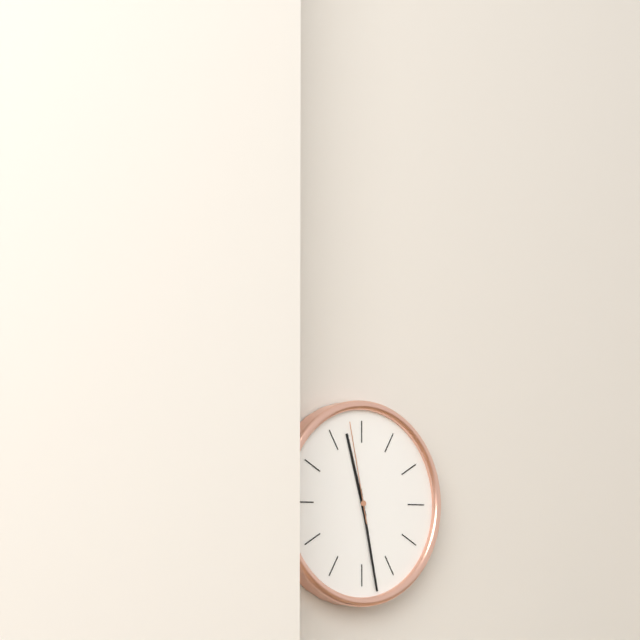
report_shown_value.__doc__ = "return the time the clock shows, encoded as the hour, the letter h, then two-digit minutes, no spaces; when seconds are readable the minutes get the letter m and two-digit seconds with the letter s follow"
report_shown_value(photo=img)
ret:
11h28m58s
